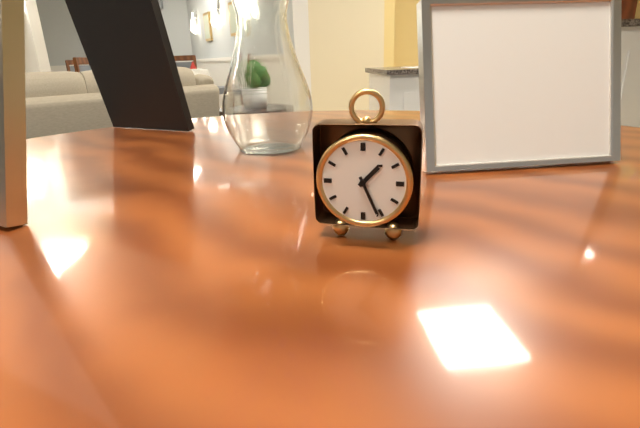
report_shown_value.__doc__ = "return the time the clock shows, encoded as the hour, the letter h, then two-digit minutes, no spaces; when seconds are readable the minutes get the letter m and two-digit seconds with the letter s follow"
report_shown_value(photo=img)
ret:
1h26
